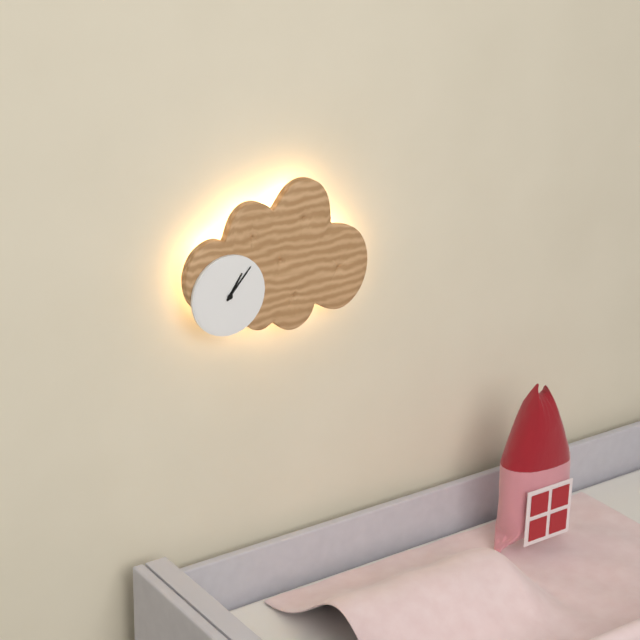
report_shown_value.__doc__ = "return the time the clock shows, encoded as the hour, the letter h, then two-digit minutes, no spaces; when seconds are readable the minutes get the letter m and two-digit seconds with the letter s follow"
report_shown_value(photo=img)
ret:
1h07
